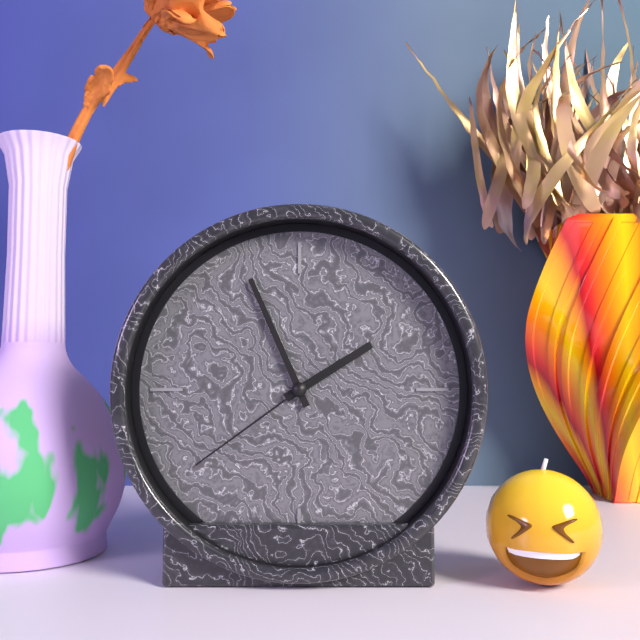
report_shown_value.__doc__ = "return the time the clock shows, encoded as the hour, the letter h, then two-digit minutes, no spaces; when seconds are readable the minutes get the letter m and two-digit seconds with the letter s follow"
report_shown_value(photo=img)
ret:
1h56m39s
